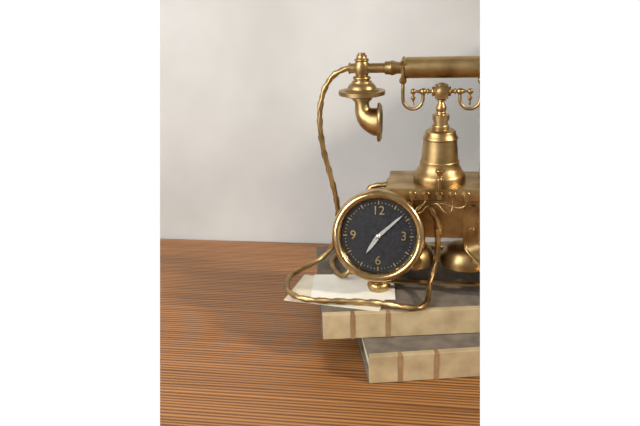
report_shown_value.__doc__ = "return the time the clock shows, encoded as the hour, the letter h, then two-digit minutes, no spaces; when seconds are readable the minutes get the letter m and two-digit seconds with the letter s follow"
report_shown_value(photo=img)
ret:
7h08
